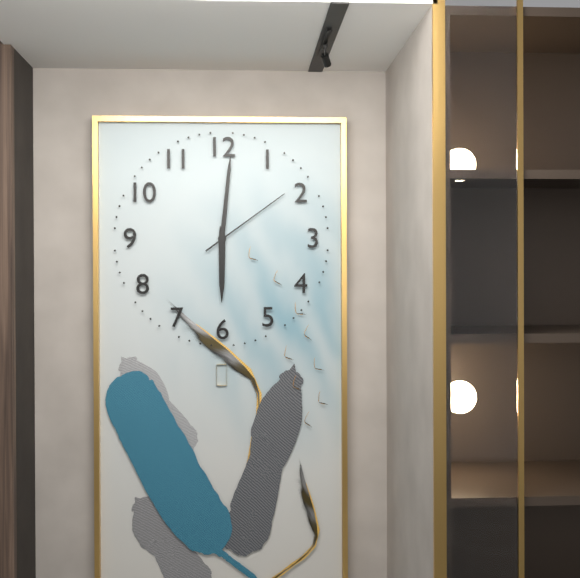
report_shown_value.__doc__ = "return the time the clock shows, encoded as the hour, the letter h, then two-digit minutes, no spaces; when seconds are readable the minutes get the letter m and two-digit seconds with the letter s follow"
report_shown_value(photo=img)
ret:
6h01m09s
